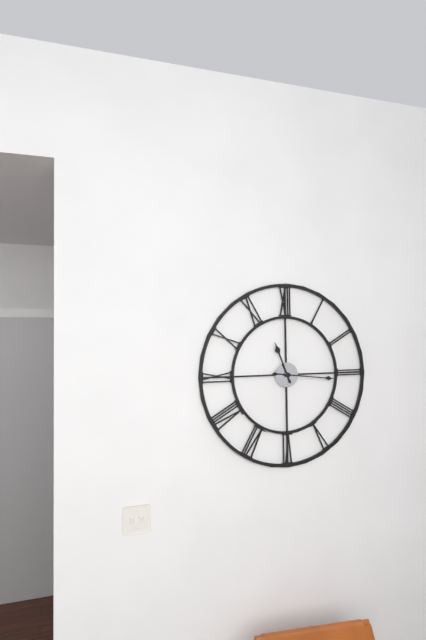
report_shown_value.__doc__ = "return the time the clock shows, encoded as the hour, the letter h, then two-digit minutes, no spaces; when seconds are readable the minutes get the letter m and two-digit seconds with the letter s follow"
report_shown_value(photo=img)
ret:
11h16
